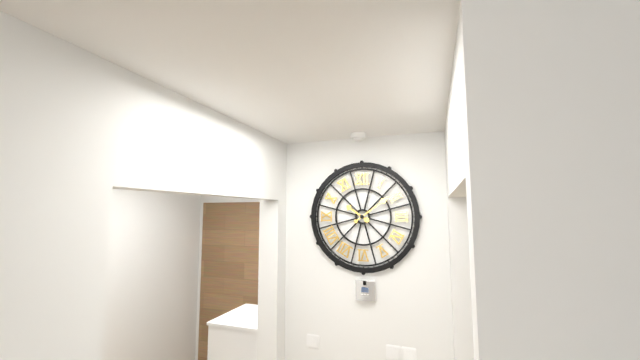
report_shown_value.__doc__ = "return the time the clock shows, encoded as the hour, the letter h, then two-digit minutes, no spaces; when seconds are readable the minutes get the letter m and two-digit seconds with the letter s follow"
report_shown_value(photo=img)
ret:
10h09
